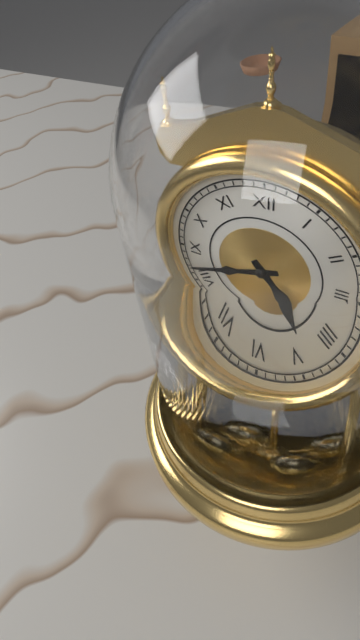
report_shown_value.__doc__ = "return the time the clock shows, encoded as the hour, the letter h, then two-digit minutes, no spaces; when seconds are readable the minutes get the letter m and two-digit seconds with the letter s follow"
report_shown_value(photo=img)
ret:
4h42
